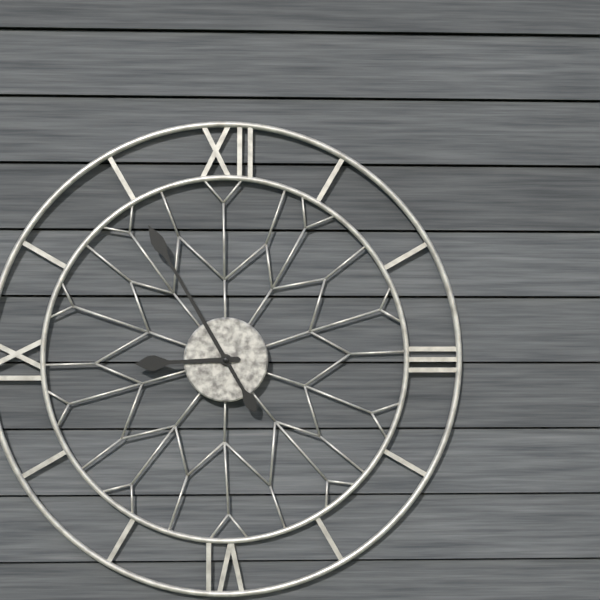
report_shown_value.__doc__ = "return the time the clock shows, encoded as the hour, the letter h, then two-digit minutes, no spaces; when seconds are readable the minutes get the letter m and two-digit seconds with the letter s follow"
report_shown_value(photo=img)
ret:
8h55
